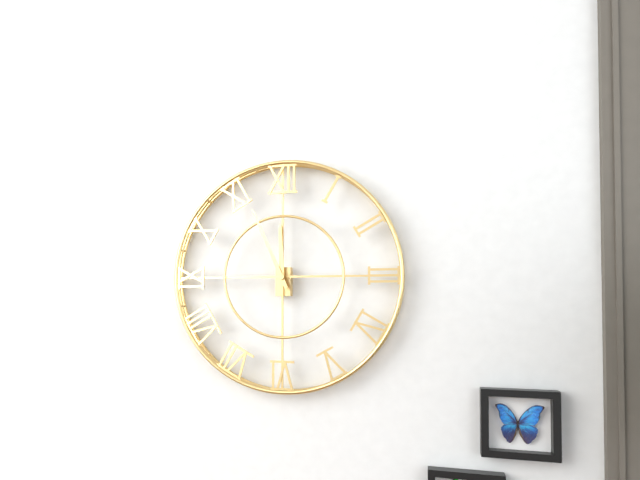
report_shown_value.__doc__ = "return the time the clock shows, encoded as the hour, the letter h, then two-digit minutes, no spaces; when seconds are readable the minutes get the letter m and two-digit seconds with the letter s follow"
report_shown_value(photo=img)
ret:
11h56
